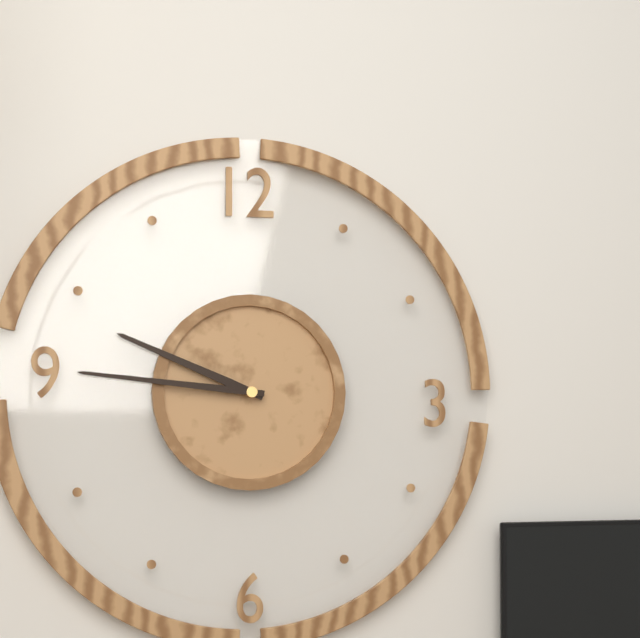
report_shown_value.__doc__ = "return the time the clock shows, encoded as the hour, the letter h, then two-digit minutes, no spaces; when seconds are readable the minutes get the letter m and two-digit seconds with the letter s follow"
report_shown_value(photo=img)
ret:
9h46
